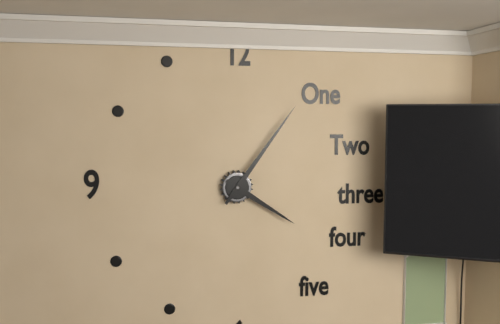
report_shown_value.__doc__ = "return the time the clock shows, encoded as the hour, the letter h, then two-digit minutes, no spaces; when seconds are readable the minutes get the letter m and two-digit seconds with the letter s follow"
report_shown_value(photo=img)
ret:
4h06
